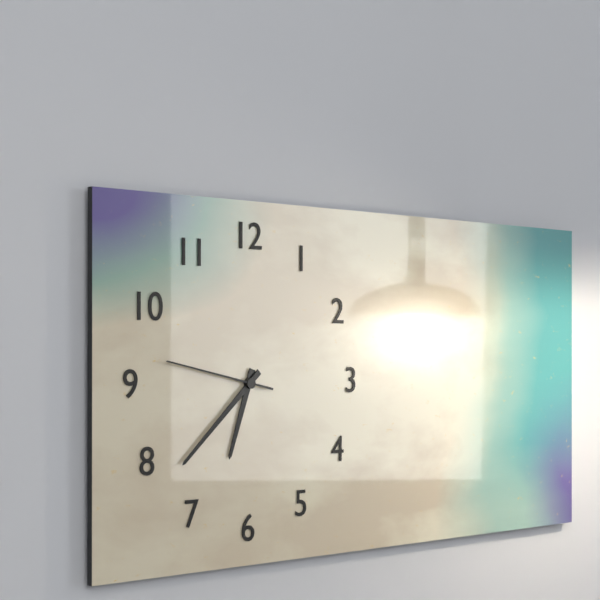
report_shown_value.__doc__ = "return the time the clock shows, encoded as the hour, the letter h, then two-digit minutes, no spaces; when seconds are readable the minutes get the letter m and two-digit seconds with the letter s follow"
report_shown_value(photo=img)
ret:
6h38m47s
